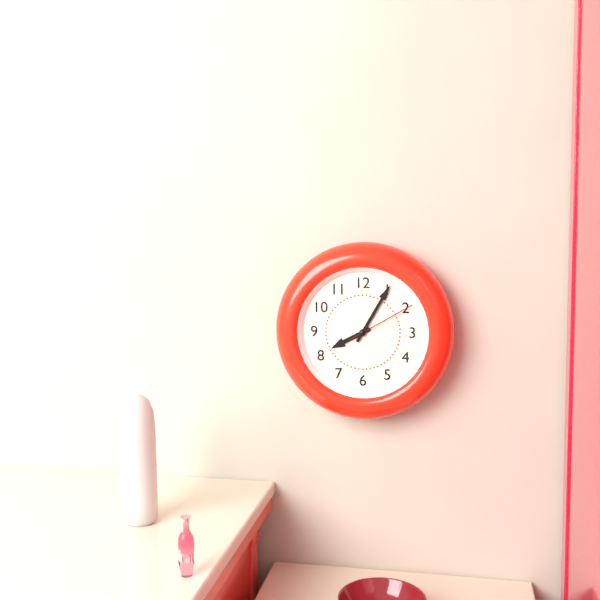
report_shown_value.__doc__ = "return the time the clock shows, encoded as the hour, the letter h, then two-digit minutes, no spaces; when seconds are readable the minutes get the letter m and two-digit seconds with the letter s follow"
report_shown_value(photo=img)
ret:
8h05m10s
